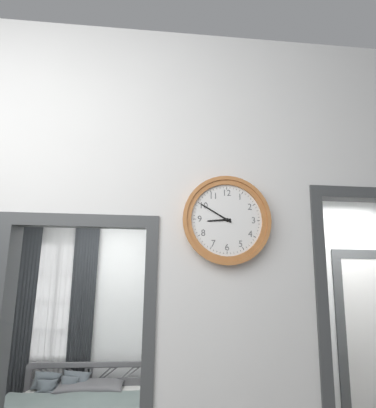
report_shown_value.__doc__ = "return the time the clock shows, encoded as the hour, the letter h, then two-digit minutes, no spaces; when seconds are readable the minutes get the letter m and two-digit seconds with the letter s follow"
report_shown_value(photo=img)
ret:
8h50
